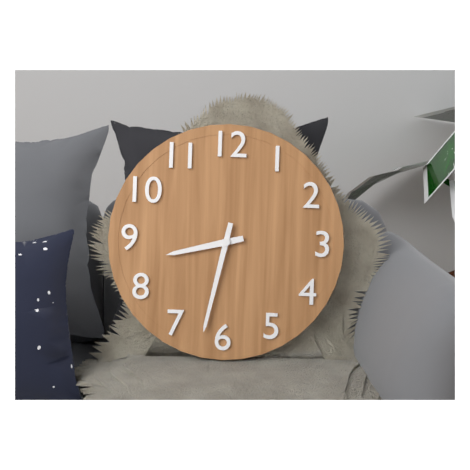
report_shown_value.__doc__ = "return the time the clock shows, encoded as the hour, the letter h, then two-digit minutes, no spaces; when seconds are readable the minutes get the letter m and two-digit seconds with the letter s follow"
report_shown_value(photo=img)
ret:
8h32
